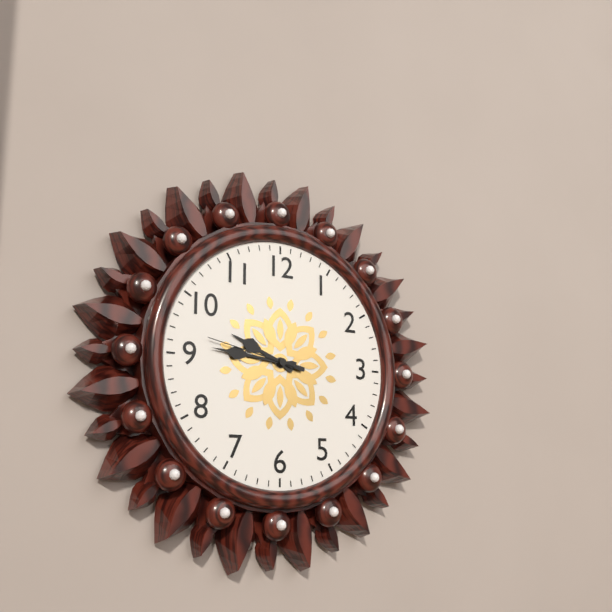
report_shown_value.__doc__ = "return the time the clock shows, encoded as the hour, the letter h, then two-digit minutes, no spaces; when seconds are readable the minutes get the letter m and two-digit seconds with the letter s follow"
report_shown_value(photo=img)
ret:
9h46m47s
